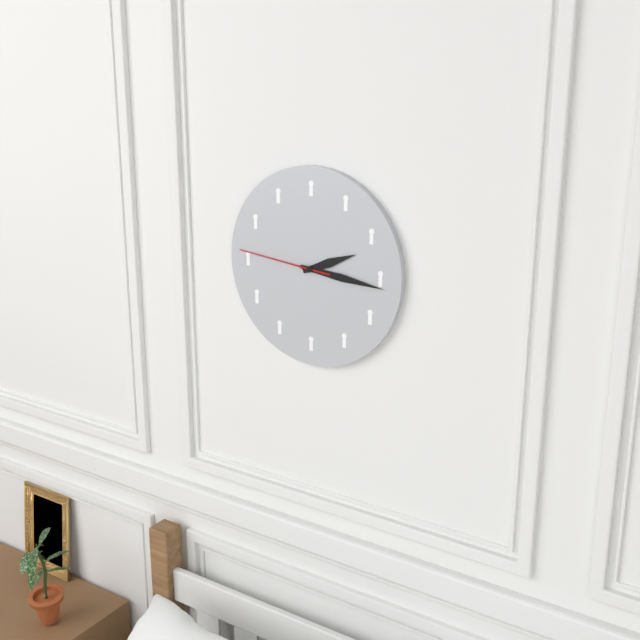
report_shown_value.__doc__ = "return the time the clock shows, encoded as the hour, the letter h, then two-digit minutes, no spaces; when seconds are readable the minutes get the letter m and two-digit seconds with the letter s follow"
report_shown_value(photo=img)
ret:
2h16m46s
